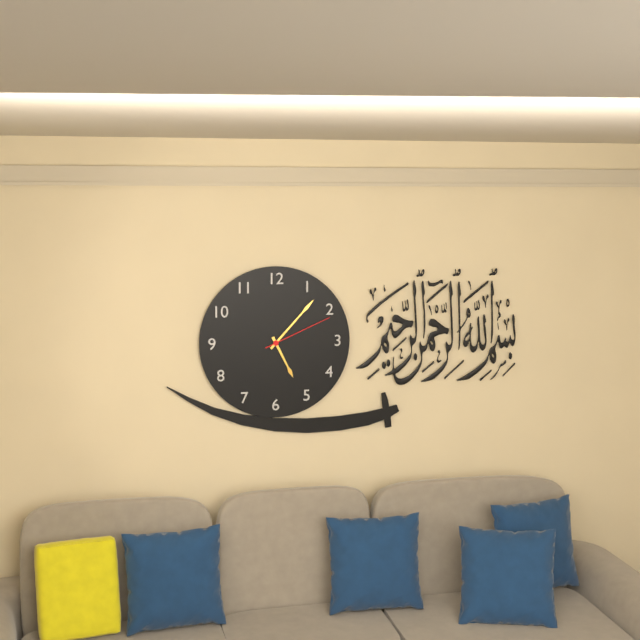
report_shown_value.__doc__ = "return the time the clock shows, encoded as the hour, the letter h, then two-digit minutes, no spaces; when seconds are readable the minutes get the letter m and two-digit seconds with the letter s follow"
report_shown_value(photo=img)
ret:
5h07m11s
